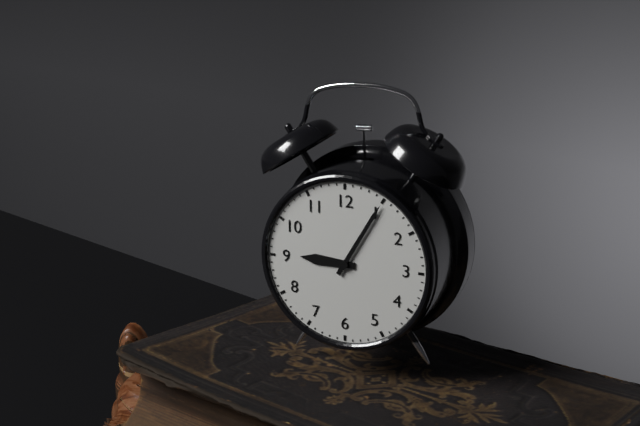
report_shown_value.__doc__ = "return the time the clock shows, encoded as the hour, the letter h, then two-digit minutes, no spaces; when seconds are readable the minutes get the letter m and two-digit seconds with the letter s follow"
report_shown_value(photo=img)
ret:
9h05
